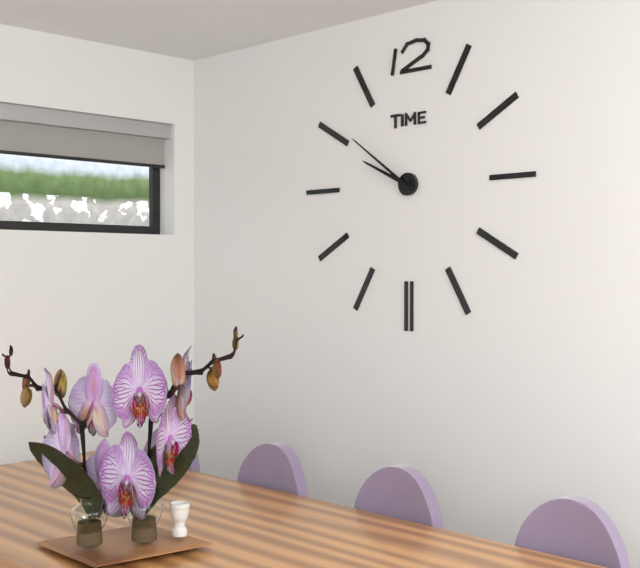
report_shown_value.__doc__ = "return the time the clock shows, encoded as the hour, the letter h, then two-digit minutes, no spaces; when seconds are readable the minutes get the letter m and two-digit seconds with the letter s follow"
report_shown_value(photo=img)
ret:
9h51
